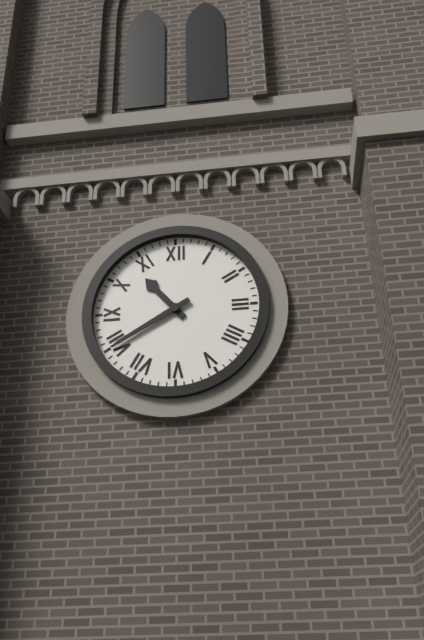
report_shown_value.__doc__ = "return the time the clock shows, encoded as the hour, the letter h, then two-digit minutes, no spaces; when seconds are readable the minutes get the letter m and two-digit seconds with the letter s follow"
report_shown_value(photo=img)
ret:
10h40
